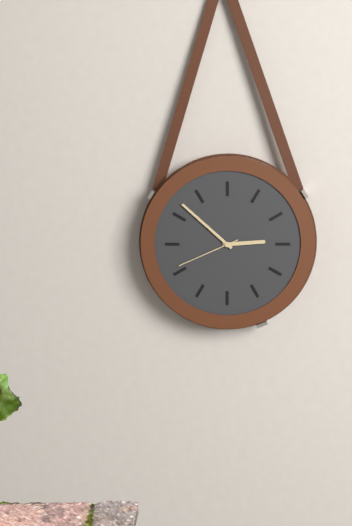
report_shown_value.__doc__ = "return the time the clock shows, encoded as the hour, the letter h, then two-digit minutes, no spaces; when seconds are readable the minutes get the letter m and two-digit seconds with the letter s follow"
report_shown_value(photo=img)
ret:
2h52m41s
